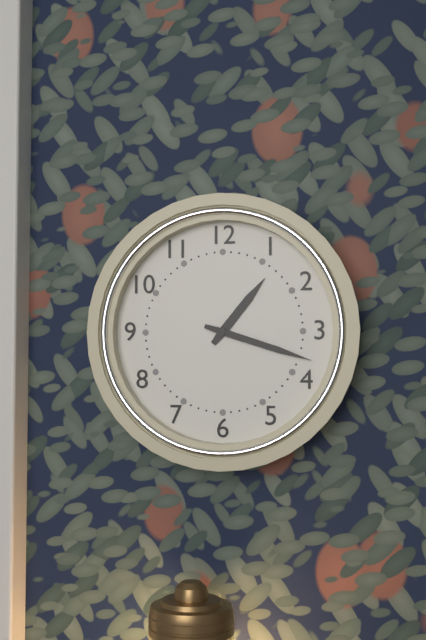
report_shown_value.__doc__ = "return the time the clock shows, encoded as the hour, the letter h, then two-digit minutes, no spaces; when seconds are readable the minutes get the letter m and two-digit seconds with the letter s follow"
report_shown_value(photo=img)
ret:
1h18
